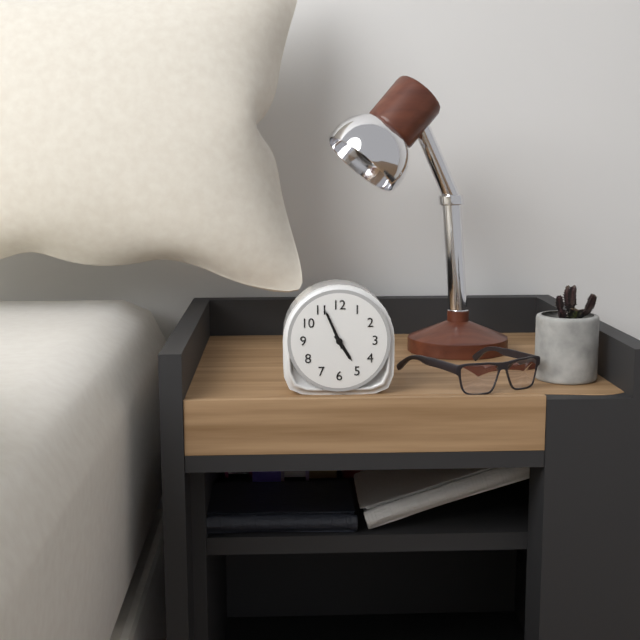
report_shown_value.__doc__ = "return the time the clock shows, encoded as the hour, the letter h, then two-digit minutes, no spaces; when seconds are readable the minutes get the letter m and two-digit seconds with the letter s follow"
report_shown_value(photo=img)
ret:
4h56
